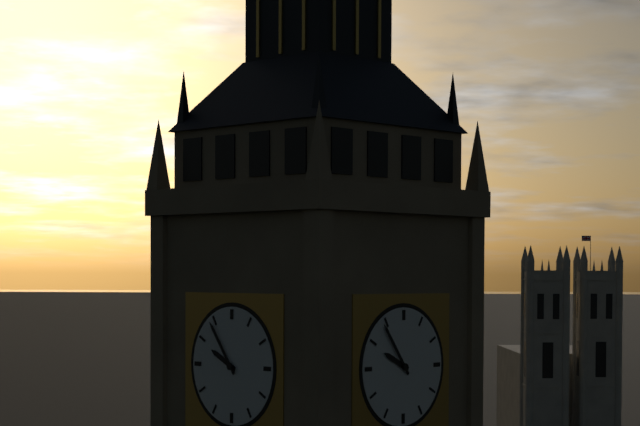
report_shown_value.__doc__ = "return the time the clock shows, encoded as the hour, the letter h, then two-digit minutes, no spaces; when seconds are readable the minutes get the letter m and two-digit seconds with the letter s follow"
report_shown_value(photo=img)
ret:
9h54
